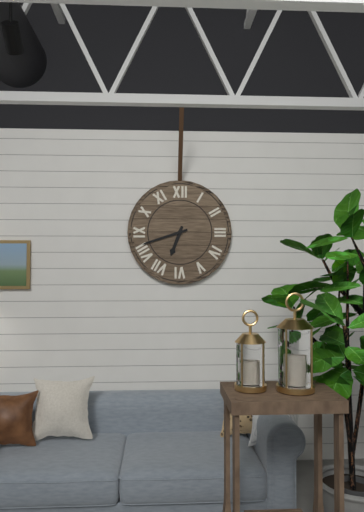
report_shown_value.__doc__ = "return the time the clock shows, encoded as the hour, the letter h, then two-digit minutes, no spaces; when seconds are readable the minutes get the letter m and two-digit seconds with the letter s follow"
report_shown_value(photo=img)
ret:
6h42
